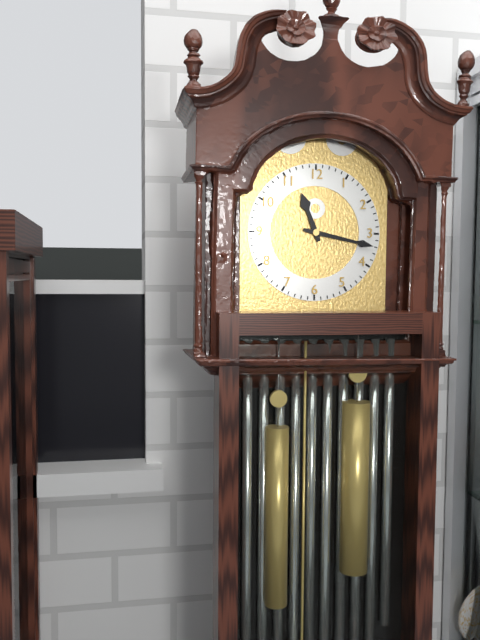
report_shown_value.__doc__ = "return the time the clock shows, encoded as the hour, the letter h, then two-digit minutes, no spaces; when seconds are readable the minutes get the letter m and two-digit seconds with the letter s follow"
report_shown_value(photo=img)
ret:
11h17
